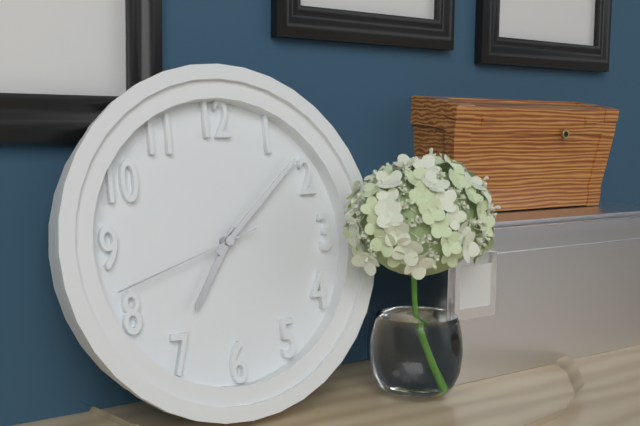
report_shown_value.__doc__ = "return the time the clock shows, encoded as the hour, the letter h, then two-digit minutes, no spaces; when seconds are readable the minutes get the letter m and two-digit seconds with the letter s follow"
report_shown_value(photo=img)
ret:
7h08m42s
